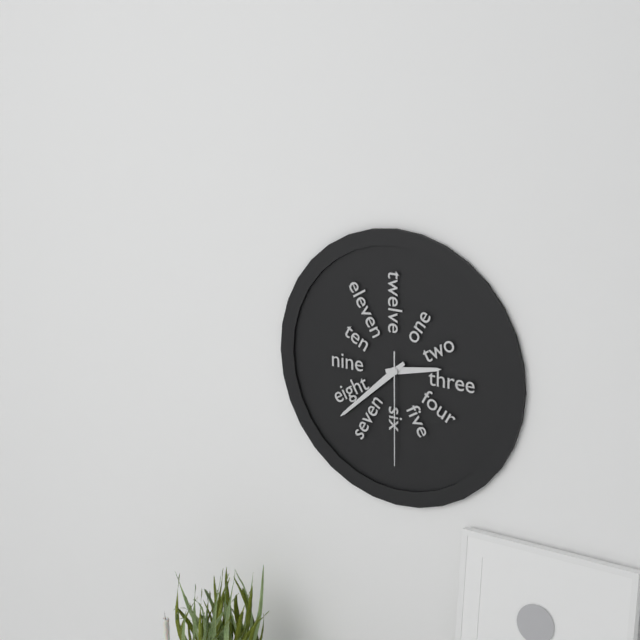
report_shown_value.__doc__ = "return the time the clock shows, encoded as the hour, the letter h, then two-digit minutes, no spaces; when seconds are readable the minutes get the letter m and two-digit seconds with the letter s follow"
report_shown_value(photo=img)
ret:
2h38m30s
